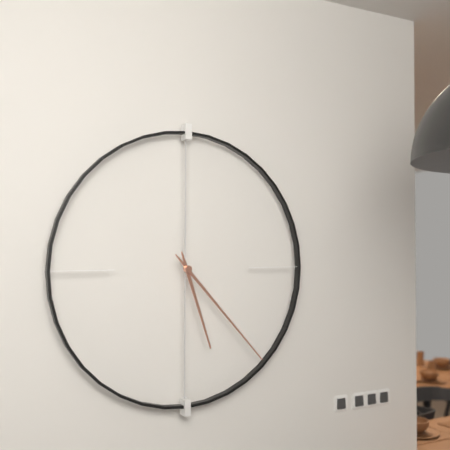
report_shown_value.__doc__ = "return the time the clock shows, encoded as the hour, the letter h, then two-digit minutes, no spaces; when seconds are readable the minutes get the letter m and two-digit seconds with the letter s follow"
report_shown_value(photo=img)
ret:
5h23
